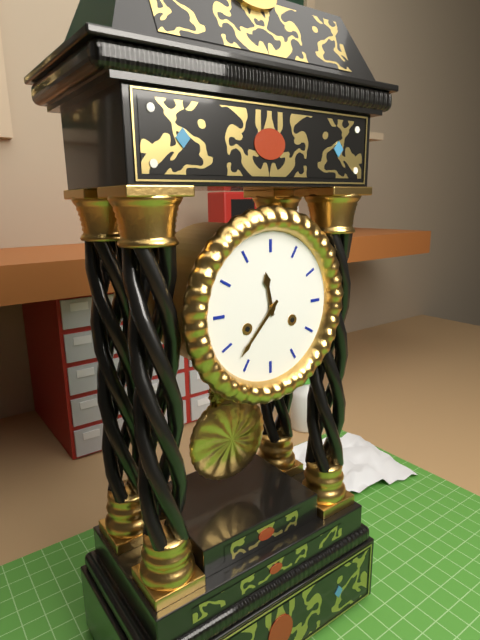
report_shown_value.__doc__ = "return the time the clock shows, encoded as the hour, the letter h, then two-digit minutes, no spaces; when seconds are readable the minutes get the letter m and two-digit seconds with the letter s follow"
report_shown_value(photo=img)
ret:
11h37
